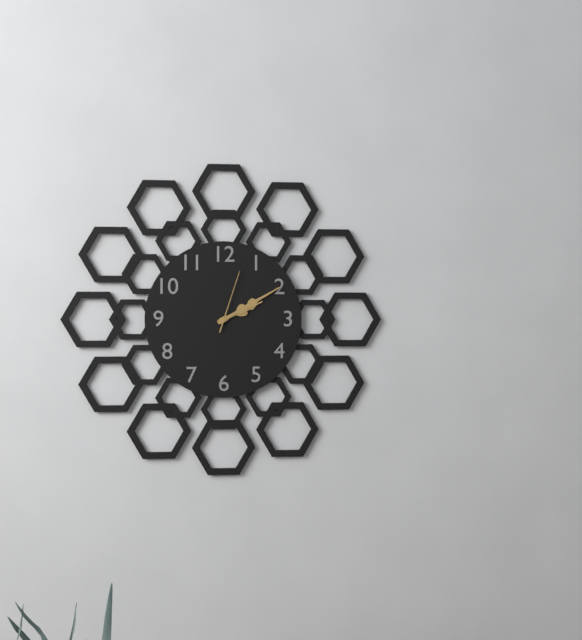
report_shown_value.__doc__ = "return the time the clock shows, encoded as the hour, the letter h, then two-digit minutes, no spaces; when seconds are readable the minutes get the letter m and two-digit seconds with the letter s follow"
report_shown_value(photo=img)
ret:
2h10m03s
